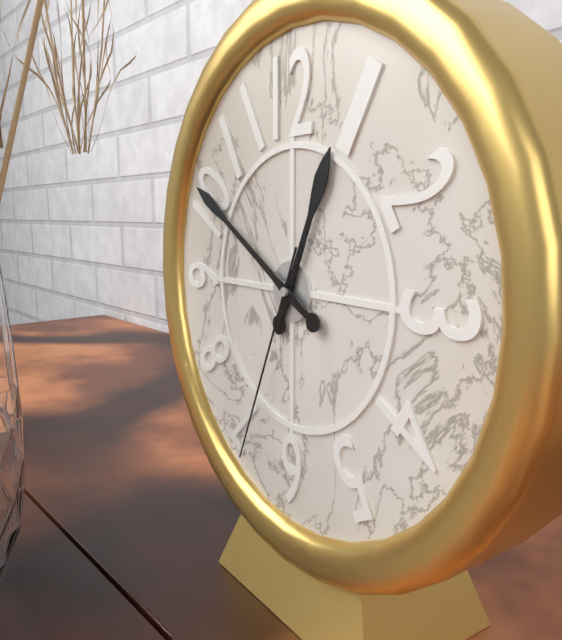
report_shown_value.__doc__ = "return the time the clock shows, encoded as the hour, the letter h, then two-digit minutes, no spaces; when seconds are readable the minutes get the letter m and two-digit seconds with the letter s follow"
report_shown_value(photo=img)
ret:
12h50m34s
